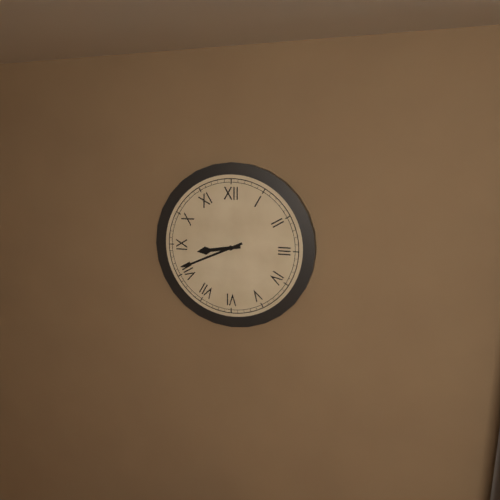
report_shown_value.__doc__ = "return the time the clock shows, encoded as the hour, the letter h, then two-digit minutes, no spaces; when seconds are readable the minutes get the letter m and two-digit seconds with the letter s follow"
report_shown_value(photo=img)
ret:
8h41
